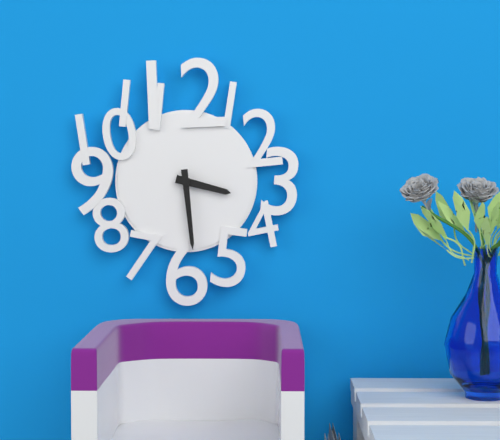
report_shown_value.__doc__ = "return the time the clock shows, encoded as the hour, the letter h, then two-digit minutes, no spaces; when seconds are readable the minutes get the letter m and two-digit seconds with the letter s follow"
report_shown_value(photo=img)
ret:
3h29
